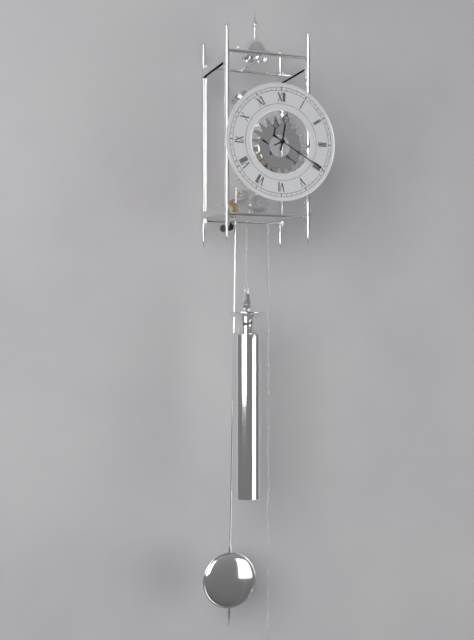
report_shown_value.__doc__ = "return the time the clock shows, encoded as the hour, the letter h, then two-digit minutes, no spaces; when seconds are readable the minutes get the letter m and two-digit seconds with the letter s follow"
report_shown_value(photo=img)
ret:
12h20
